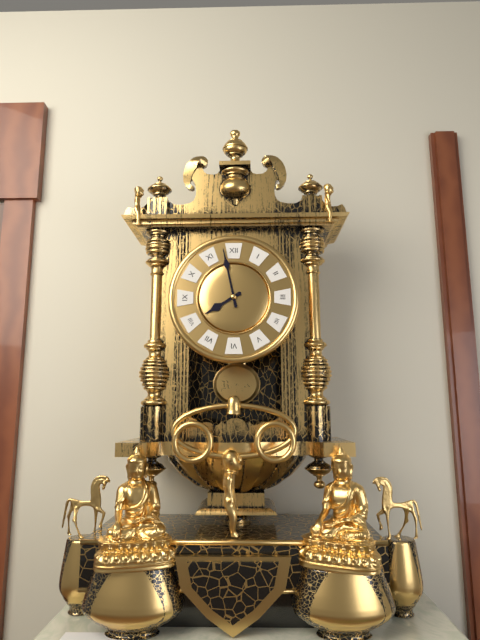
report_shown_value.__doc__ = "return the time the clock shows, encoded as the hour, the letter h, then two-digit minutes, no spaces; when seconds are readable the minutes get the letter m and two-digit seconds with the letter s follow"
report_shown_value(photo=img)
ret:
7h58
